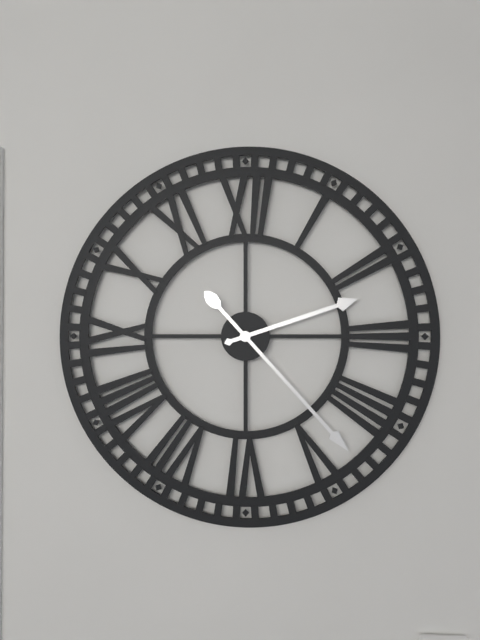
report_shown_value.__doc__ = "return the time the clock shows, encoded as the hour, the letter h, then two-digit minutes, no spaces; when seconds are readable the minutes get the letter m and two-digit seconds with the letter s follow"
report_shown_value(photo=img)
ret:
2h23
